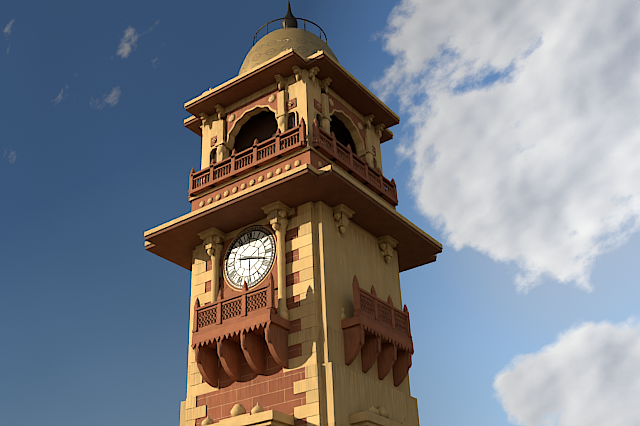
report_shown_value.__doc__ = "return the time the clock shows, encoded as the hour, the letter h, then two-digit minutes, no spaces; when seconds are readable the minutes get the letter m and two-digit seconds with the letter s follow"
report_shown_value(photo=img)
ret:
9h18
